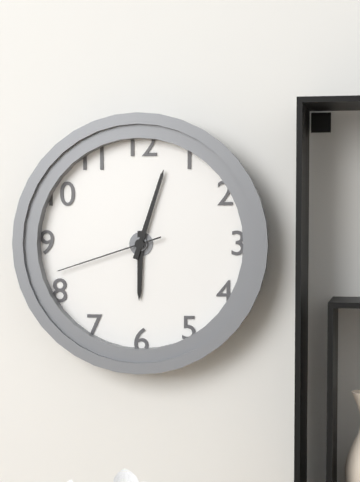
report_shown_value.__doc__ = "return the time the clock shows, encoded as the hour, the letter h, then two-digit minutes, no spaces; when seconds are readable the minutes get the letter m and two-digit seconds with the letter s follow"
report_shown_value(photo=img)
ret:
6h03m42s
